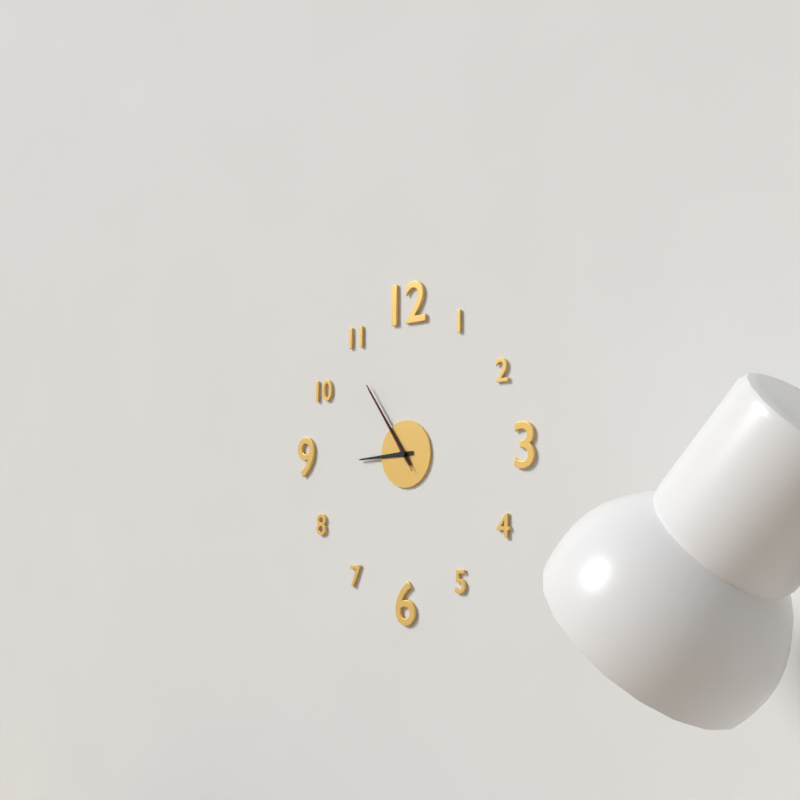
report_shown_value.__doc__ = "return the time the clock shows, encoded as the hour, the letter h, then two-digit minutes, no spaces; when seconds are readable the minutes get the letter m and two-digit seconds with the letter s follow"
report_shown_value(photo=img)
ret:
8h54m54s
